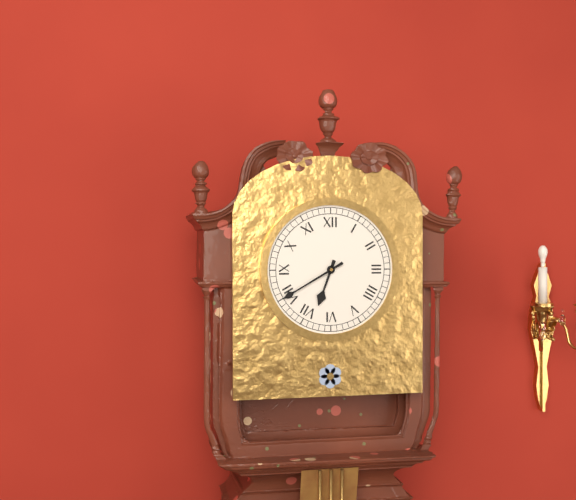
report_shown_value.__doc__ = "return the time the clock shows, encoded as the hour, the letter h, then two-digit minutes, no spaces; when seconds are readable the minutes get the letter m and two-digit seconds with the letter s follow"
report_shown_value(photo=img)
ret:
6h40
